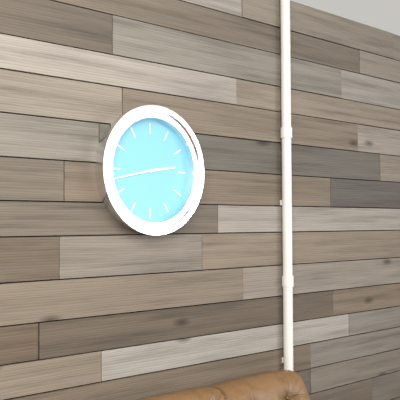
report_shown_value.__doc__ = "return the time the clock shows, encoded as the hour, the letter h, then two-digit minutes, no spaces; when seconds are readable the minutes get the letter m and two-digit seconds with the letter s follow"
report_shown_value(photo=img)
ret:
2h43
